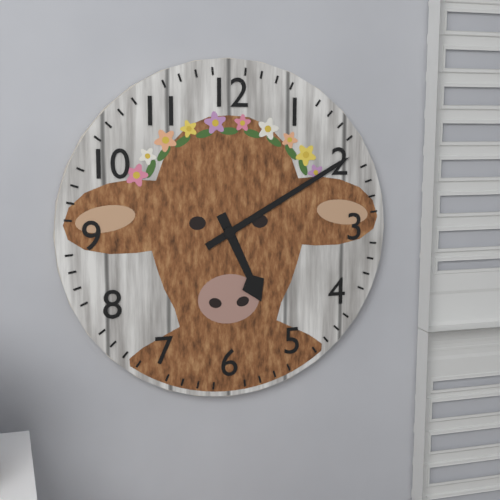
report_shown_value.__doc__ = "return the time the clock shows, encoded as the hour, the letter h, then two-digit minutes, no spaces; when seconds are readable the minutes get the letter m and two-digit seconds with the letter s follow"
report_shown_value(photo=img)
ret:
5h10
